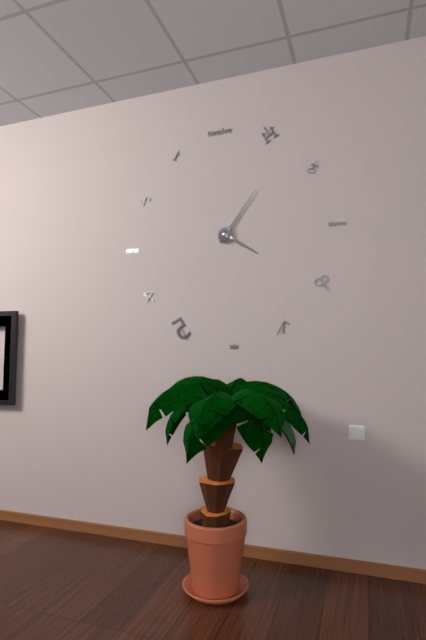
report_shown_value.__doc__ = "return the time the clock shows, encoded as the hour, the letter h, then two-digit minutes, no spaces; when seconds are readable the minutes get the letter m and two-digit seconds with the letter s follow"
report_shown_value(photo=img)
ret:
4h06
